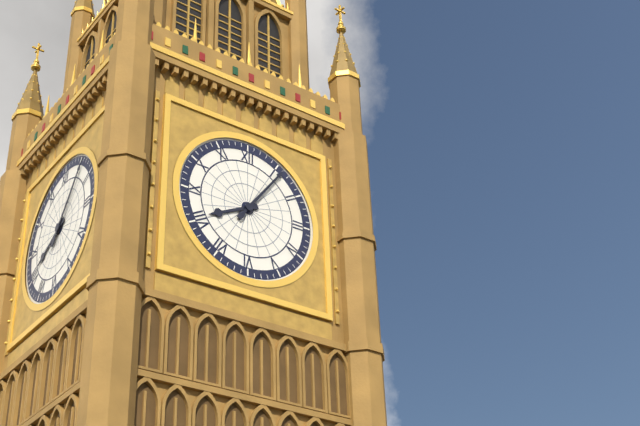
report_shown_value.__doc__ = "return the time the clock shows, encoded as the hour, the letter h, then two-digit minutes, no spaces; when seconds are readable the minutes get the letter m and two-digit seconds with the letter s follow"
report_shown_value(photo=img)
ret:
8h06
